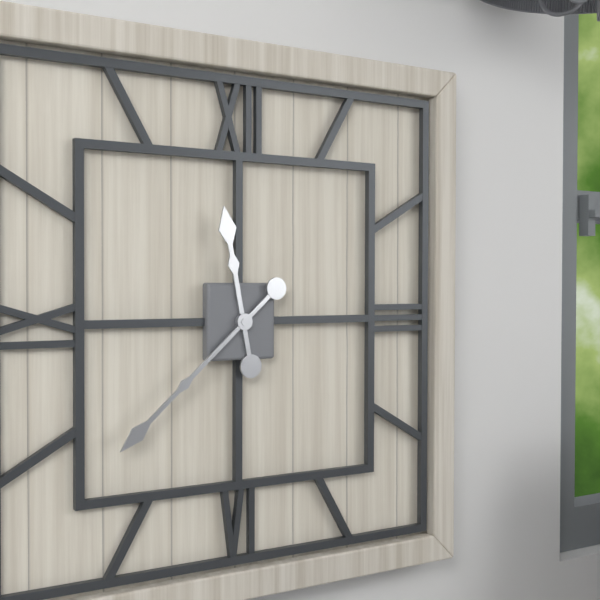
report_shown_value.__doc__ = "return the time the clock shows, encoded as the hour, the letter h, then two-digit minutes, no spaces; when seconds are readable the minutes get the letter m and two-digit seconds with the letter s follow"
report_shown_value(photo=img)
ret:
11h38
